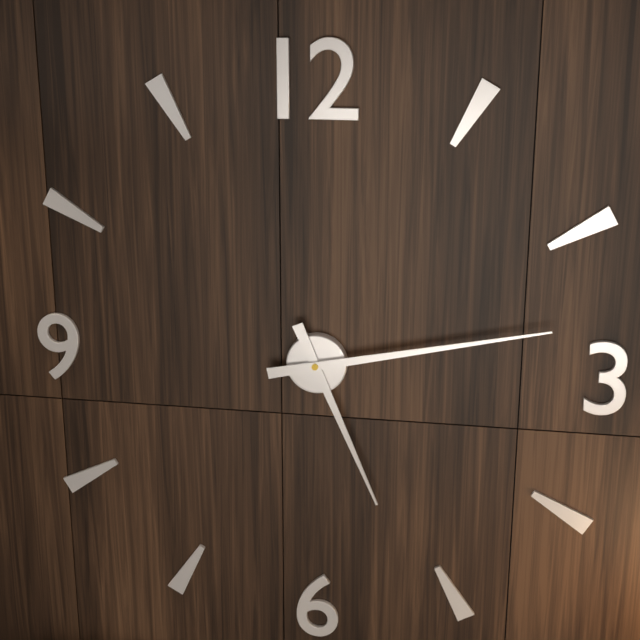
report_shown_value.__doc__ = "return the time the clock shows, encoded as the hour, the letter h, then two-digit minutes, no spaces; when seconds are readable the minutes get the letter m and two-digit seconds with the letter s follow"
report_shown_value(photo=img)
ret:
5h13
